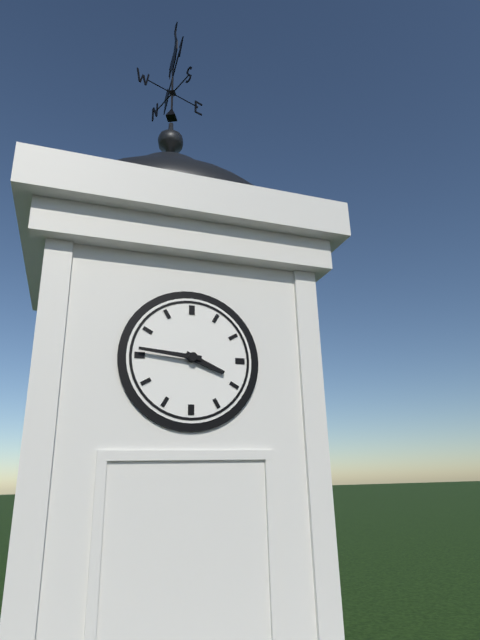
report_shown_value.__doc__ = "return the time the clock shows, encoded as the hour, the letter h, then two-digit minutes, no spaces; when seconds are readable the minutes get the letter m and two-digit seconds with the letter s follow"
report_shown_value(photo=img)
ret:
3h46
